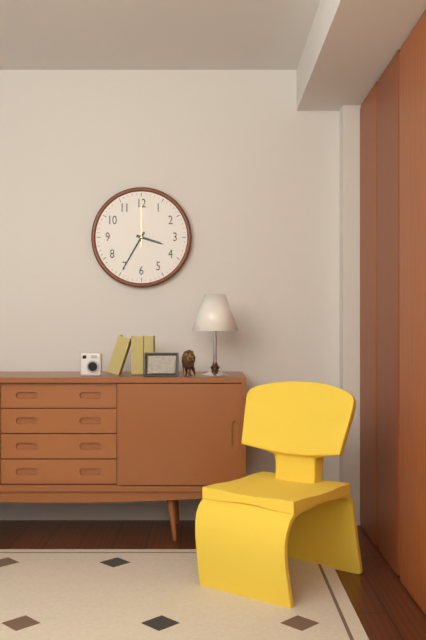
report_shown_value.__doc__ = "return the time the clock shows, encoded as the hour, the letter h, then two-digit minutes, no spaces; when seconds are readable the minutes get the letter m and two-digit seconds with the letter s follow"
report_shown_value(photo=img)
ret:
3h35
